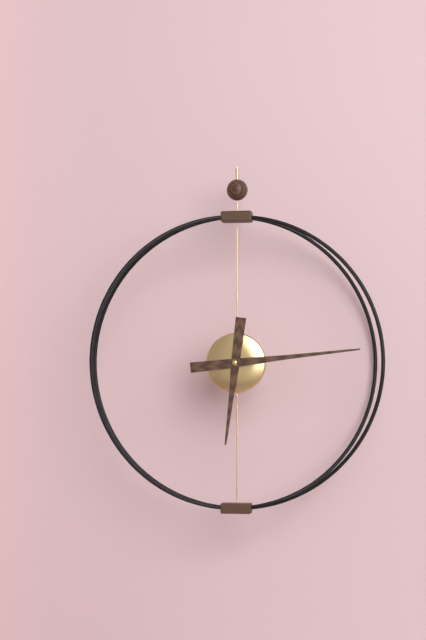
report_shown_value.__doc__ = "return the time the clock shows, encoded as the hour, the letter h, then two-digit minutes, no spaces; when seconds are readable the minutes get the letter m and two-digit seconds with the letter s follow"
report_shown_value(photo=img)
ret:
6h14
